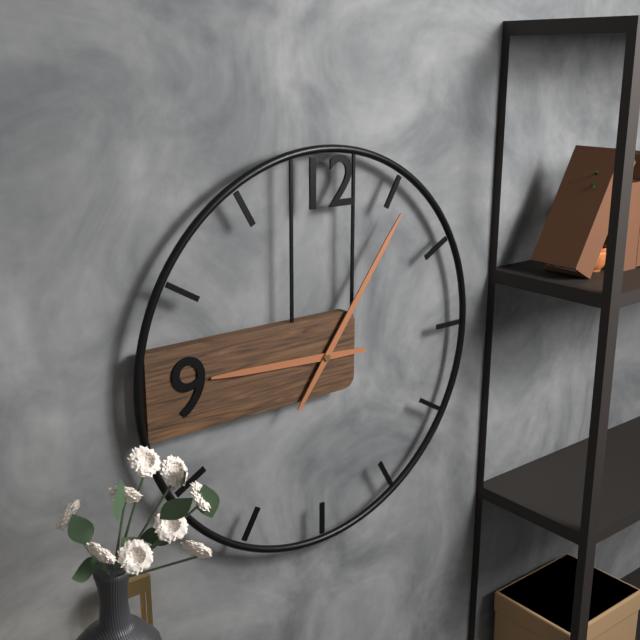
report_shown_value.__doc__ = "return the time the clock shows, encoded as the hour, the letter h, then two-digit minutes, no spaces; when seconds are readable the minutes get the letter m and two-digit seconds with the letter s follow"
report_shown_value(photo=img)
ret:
9h06
